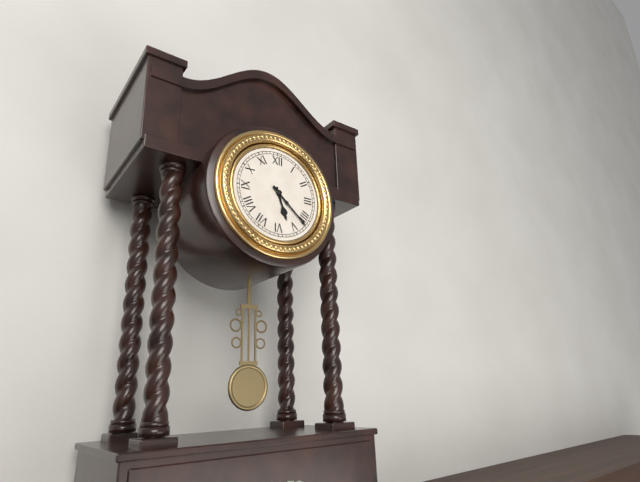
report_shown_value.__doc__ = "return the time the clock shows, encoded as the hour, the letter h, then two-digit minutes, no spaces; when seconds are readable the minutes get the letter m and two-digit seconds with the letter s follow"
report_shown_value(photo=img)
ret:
5h22
